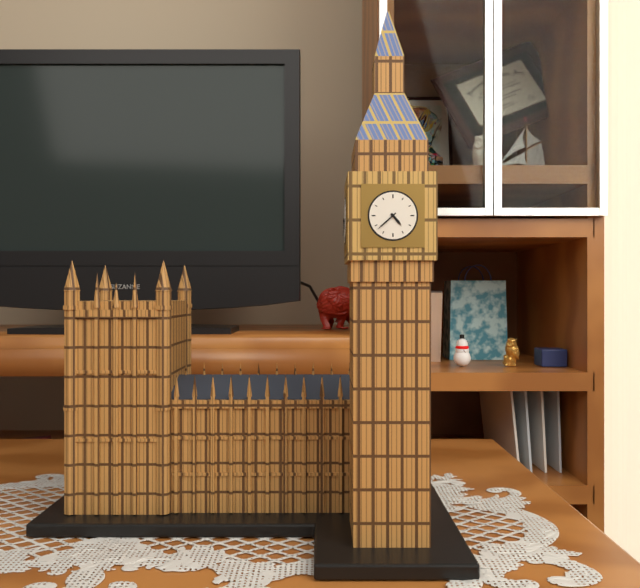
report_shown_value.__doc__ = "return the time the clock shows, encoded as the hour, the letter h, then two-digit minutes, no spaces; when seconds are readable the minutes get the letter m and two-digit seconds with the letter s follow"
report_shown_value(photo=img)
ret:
4h38
